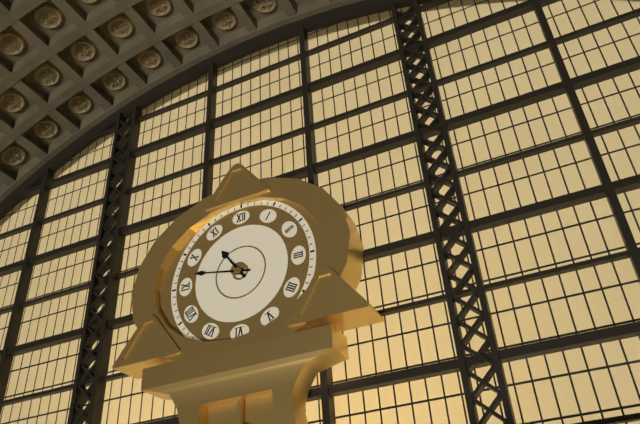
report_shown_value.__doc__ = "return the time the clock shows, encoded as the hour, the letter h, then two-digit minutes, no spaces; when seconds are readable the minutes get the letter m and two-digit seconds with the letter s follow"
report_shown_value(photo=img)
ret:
10h47
